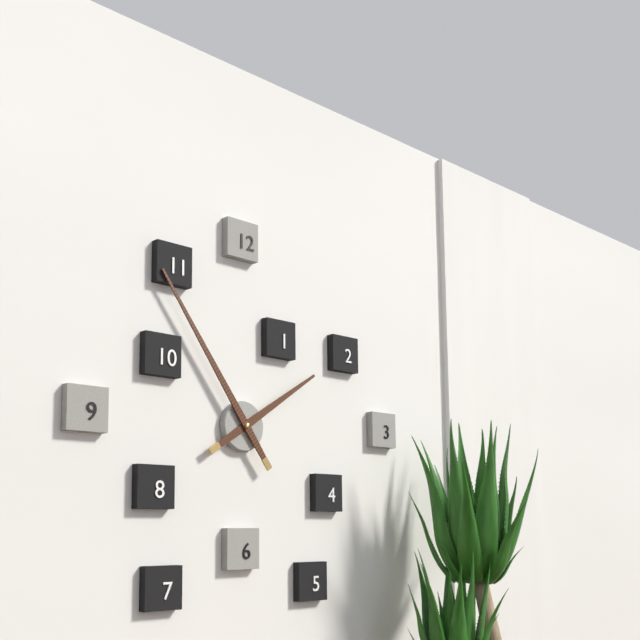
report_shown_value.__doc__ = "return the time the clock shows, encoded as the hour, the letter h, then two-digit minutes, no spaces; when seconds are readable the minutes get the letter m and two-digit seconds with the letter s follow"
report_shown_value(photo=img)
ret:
1h54
